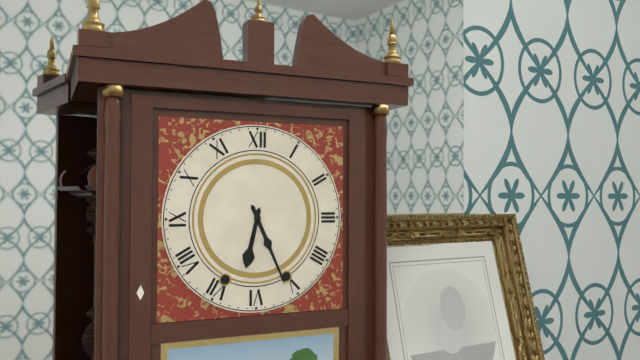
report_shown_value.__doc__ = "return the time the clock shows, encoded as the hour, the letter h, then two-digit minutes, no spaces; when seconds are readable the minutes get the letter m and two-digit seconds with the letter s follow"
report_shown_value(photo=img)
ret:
6h26
